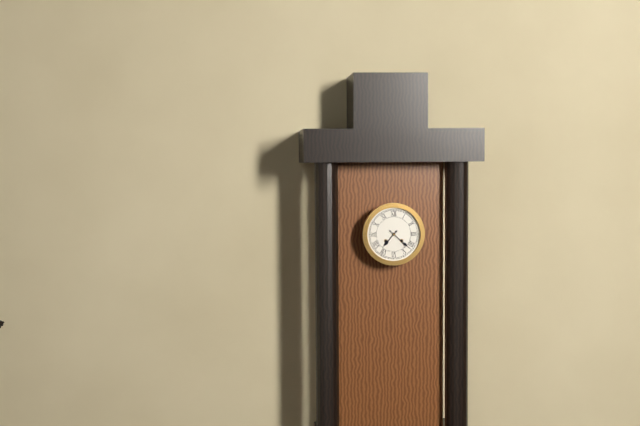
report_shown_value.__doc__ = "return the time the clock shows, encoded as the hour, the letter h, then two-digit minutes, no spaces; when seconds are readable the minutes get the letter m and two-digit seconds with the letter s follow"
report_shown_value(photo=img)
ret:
7h22
